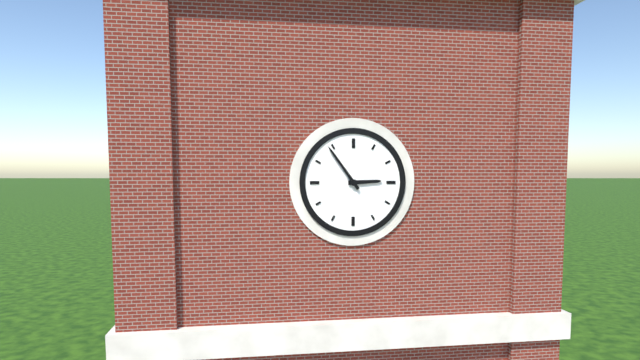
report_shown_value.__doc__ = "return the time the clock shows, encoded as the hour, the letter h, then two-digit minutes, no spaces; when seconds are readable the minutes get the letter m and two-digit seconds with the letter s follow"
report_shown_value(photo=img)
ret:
2h54
